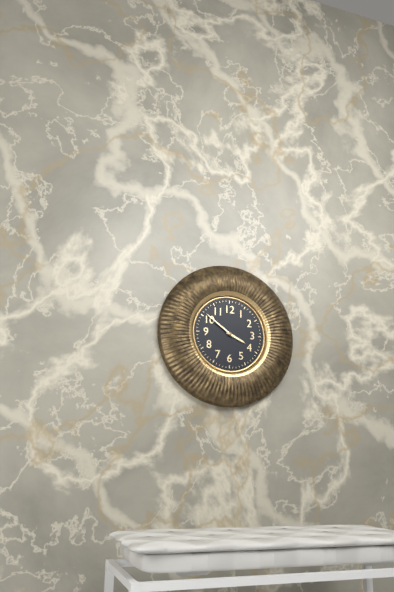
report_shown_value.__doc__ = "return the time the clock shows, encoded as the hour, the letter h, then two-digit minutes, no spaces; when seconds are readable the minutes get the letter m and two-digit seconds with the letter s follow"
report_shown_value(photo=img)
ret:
3h51
